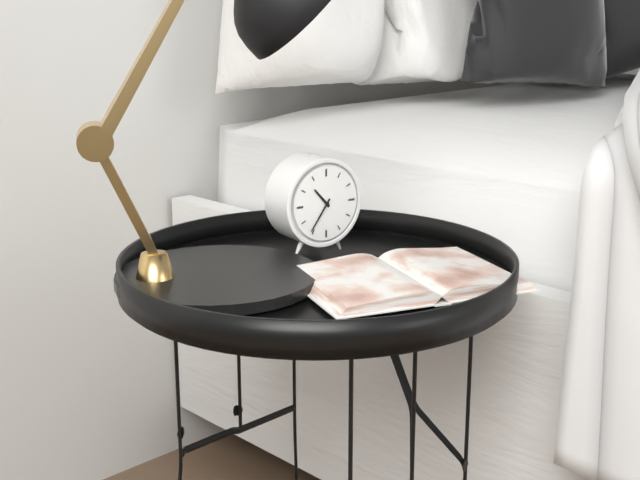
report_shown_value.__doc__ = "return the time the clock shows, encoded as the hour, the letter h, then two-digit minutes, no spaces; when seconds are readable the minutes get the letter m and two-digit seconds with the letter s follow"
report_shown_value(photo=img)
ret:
10h36
